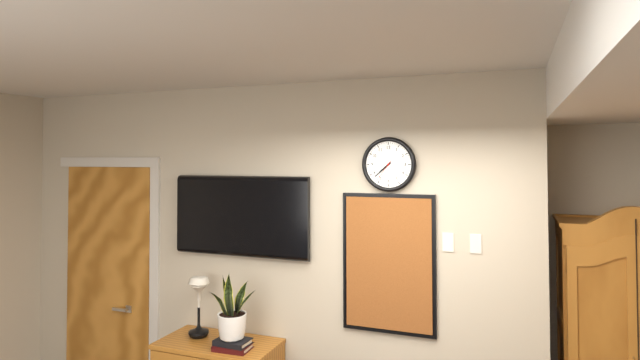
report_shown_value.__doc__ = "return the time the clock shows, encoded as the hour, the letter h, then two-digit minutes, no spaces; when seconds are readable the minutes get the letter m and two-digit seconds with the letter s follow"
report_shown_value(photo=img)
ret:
7h38
